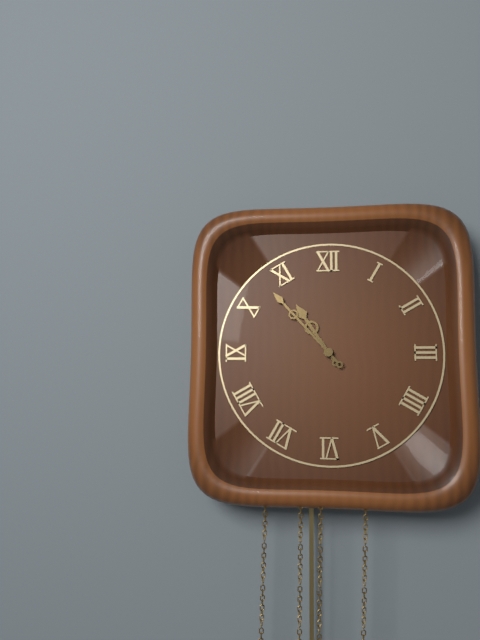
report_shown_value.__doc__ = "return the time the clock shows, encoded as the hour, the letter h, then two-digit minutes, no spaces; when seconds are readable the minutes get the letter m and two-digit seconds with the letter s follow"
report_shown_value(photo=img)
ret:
10h53
